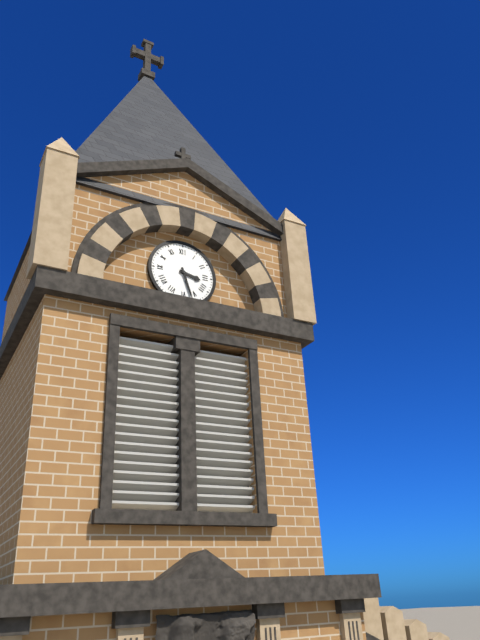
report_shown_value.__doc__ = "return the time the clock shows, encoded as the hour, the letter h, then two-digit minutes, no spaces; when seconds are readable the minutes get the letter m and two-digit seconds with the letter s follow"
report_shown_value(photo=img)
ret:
3h27
